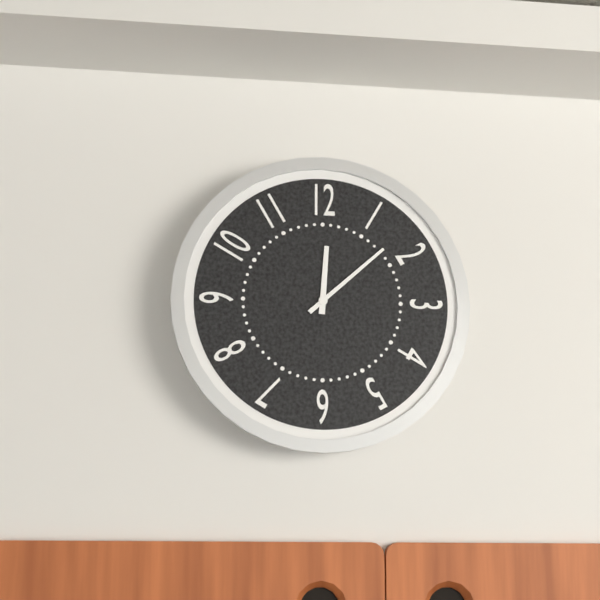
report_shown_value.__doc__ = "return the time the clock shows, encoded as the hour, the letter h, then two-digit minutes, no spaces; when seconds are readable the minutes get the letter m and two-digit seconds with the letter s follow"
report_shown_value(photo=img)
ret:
12h08
